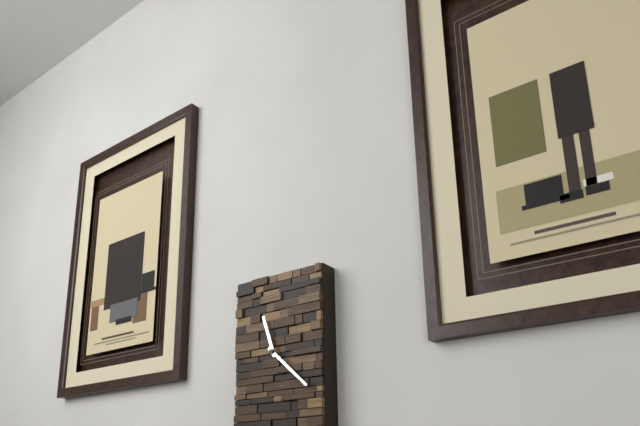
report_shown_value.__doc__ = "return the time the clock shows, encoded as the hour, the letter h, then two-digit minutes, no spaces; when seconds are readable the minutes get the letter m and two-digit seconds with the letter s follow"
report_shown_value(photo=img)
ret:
11h22
